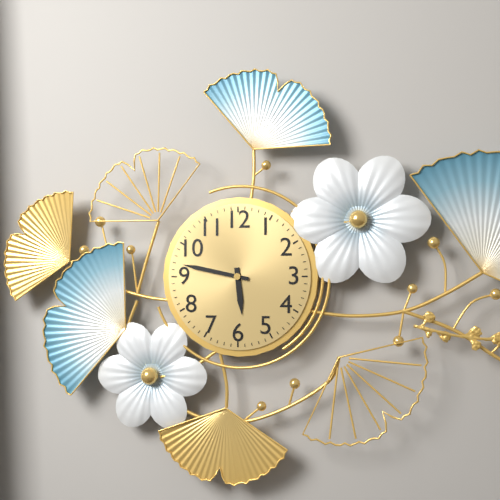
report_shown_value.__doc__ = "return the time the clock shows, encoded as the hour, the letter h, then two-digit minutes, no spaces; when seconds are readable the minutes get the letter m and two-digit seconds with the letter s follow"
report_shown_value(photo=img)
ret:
5h47
